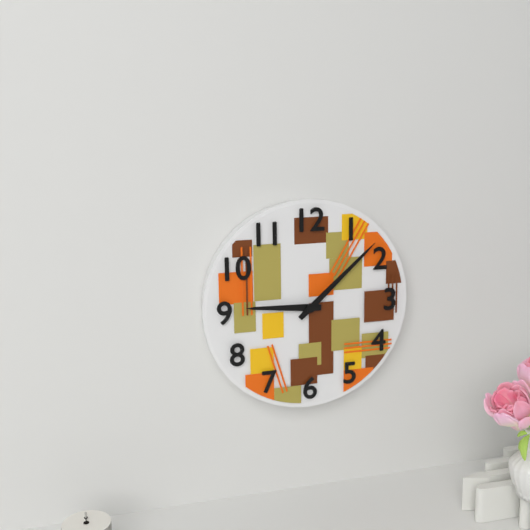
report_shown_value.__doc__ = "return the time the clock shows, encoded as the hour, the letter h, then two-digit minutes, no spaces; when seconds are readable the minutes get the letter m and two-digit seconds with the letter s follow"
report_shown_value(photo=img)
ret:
9h08
